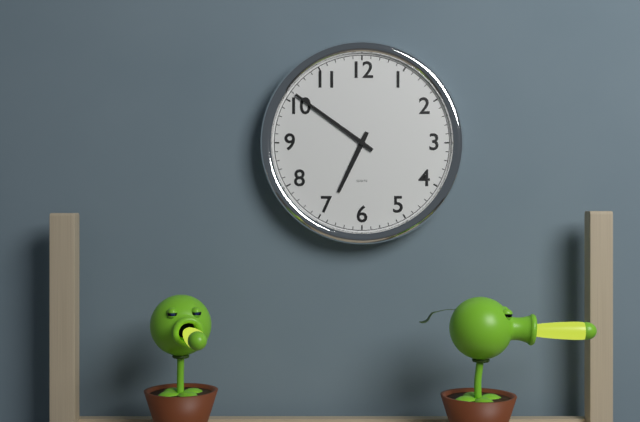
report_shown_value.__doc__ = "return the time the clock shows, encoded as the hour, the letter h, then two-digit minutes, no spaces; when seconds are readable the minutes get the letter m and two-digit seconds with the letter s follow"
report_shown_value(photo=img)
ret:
6h51
